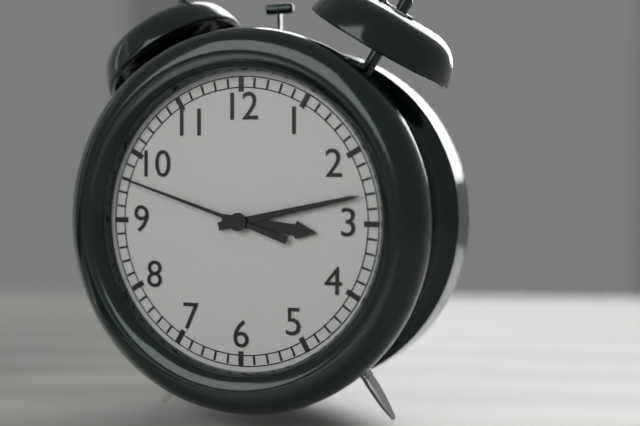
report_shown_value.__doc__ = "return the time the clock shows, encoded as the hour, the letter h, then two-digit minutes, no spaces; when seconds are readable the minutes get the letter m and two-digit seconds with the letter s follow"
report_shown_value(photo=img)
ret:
3h13m48s
